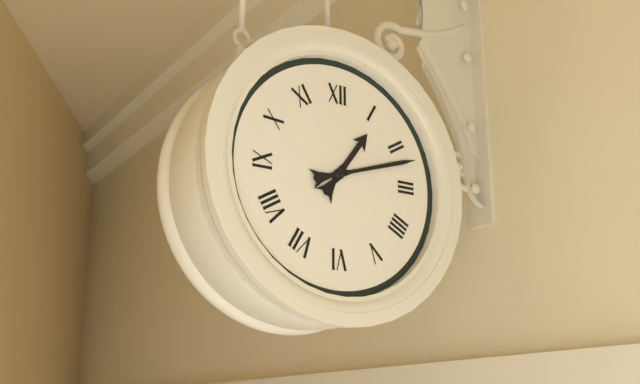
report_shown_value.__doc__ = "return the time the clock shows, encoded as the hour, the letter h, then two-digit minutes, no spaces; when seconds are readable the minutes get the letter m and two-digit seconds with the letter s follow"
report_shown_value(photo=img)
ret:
1h12
